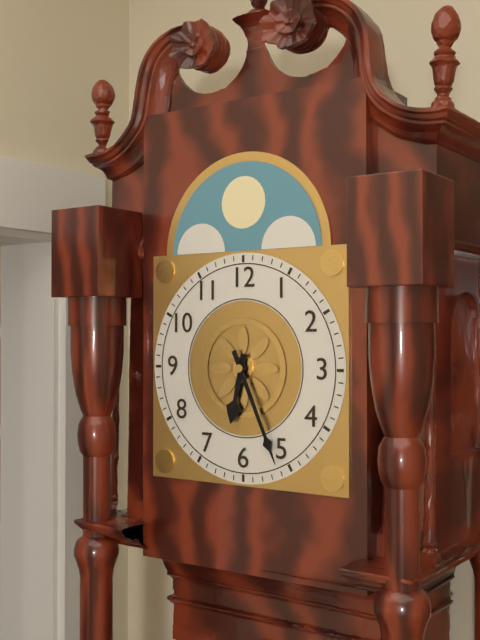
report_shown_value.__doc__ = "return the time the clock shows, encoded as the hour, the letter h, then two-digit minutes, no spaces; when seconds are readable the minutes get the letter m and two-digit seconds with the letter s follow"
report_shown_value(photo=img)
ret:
6h26
